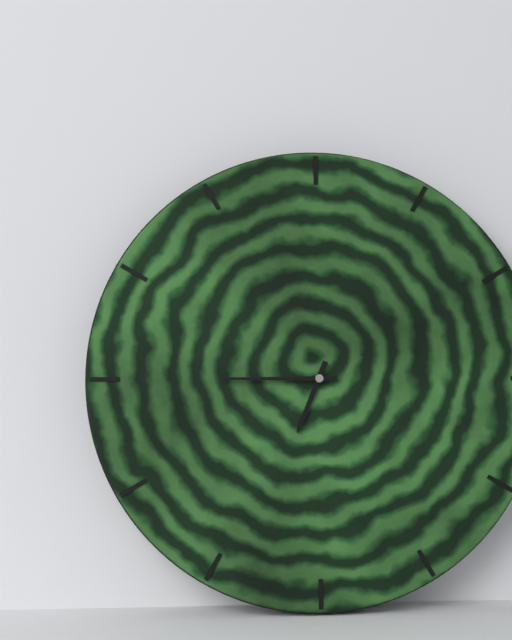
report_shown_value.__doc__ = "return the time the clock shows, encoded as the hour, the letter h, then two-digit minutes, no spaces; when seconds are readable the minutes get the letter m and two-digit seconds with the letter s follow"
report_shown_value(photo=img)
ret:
6h45
